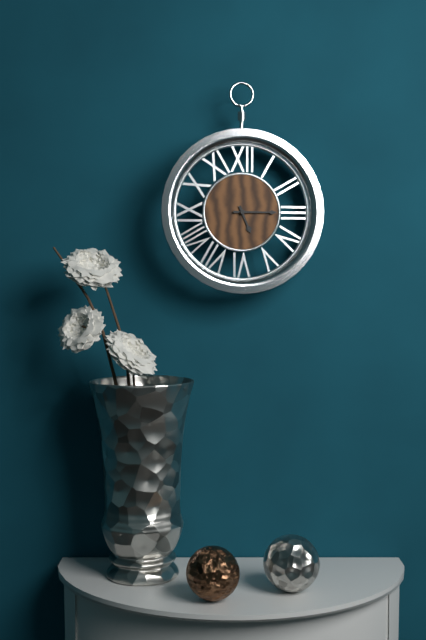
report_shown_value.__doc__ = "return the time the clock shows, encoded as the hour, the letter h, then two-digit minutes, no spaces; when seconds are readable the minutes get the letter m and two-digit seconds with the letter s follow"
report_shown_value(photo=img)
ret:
5h15
